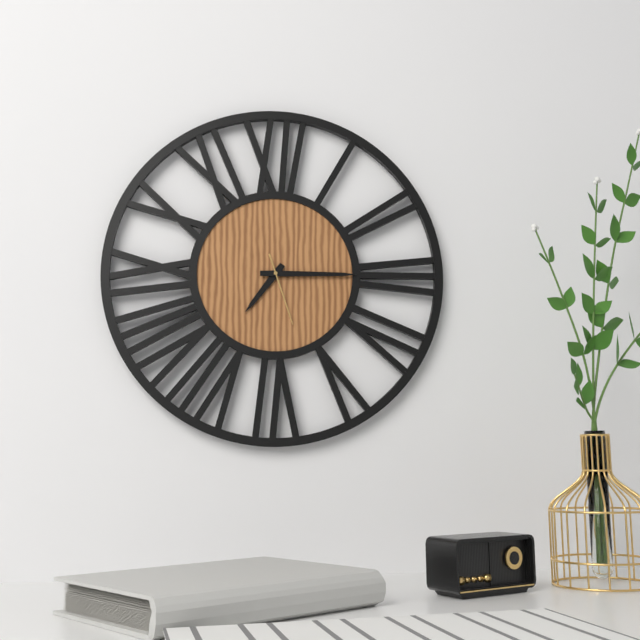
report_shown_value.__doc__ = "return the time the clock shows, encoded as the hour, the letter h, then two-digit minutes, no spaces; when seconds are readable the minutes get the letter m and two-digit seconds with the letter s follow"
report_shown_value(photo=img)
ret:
7h15m27s
